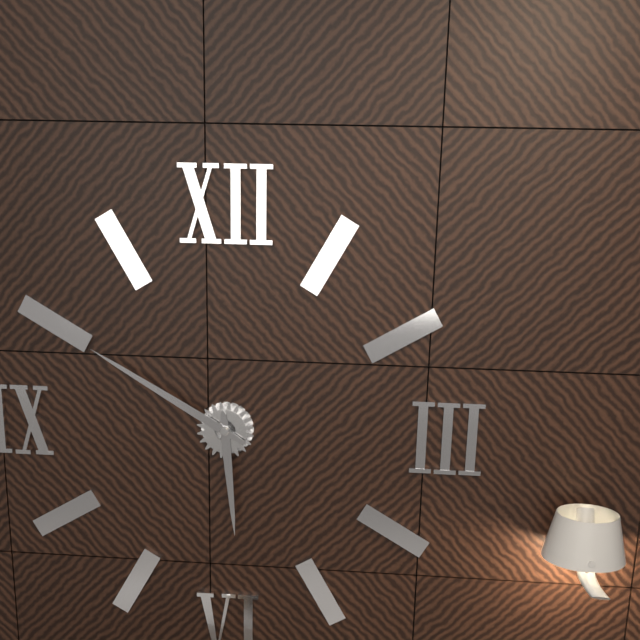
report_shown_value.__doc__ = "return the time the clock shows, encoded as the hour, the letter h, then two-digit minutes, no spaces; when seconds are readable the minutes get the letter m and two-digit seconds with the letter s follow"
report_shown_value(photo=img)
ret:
5h50
